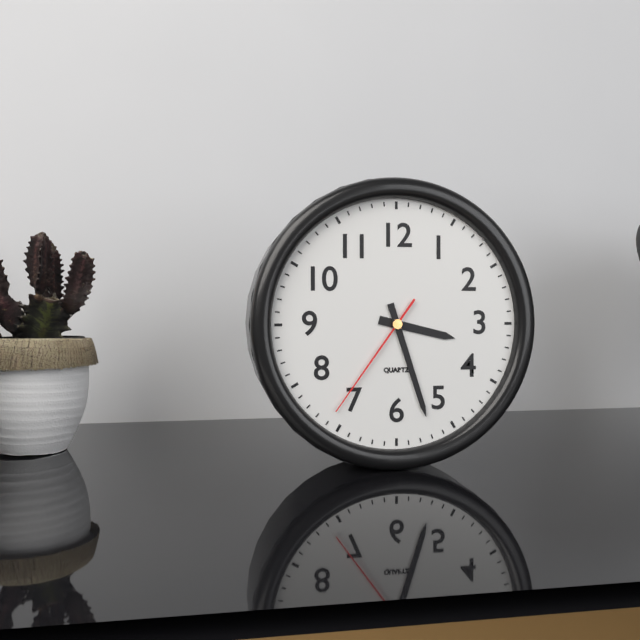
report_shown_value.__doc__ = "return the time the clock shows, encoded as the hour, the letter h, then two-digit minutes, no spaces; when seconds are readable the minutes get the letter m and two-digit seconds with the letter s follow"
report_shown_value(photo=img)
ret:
3h27m36s
